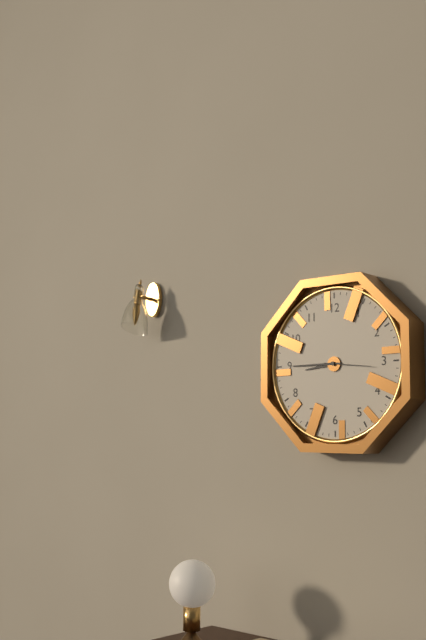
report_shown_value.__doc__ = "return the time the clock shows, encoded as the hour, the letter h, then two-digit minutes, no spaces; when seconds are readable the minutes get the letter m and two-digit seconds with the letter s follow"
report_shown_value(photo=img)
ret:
8h45m16s
